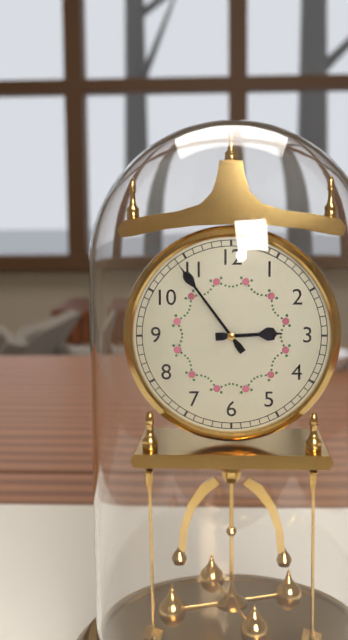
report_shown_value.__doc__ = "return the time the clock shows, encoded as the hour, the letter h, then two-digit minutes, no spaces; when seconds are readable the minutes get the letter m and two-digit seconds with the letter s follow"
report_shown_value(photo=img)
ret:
2h54
